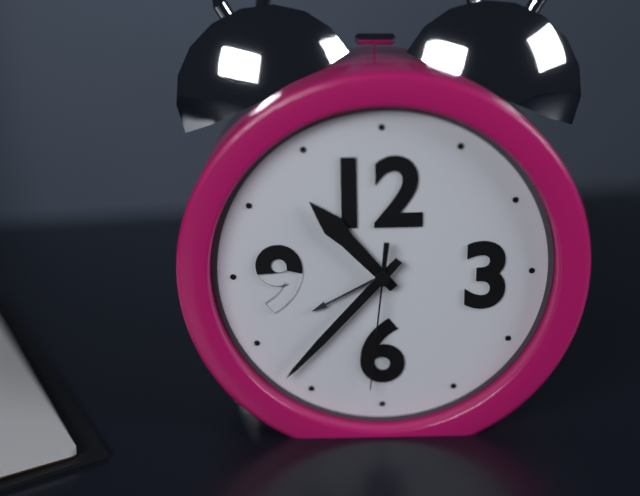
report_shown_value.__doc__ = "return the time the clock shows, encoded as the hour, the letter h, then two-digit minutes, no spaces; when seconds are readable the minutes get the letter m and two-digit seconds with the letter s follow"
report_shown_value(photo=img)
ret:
10h37m31s
